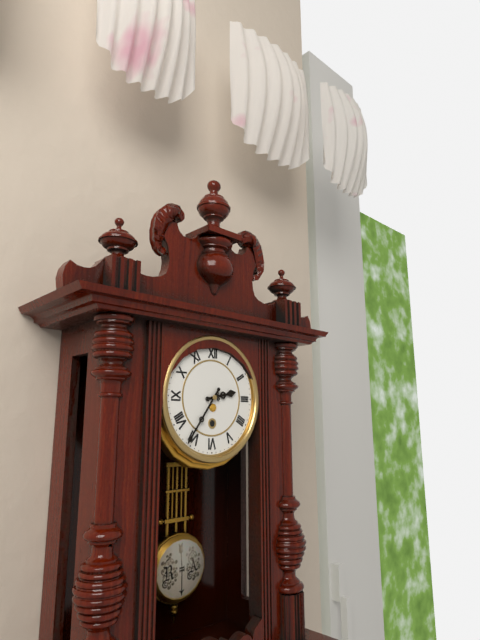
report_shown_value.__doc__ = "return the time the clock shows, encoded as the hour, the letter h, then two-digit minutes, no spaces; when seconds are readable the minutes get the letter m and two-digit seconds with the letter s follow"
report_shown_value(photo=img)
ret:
2h36
